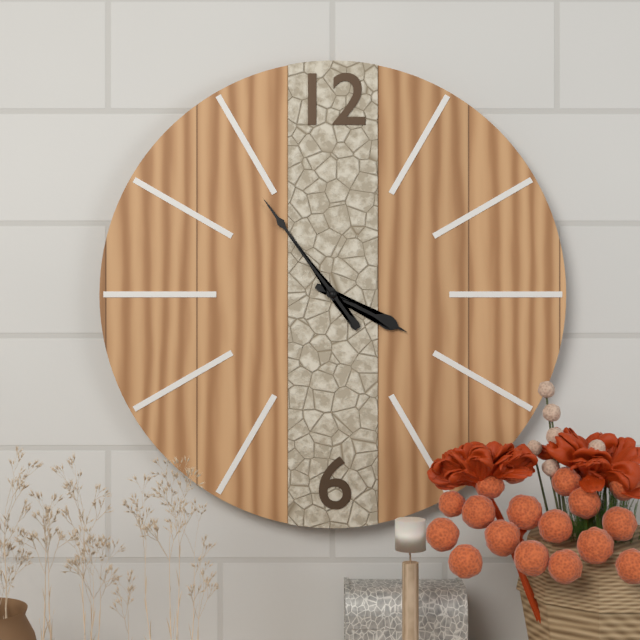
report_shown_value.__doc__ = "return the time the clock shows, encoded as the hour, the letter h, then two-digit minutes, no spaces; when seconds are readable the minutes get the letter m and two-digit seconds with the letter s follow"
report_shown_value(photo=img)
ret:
3h54
